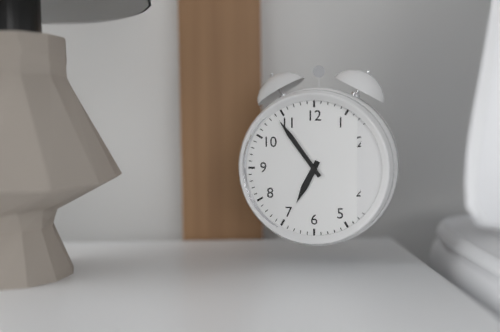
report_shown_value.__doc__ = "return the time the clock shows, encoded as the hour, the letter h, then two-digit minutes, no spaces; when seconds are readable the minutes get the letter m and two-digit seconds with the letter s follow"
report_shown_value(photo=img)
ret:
6h54
